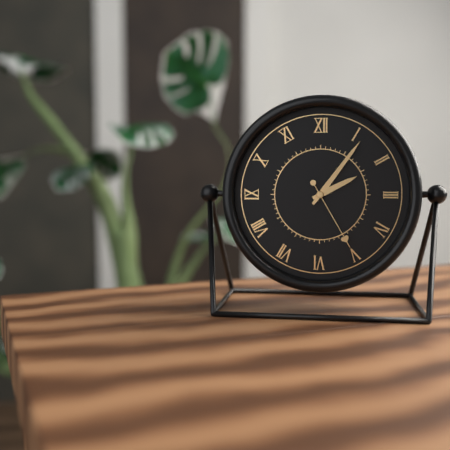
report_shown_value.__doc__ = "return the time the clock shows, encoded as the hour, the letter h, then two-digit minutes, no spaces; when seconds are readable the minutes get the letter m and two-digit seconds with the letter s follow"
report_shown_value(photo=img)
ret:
2h06m25s
